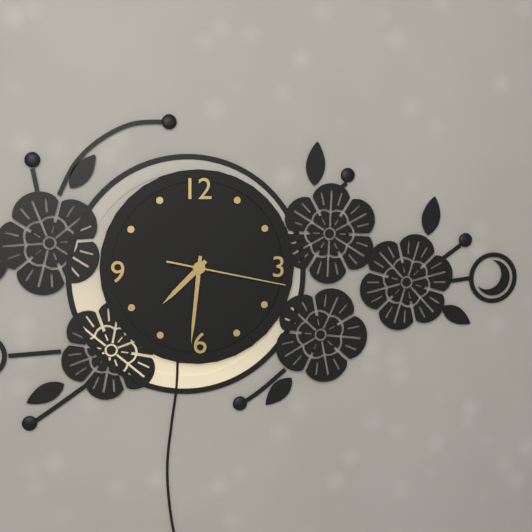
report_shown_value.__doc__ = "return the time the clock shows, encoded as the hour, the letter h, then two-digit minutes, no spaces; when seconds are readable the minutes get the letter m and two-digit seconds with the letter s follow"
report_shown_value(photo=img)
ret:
7h31m17s
